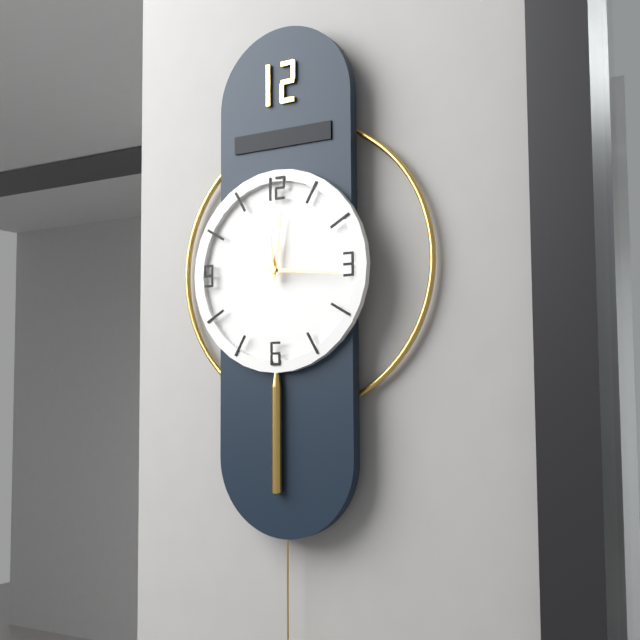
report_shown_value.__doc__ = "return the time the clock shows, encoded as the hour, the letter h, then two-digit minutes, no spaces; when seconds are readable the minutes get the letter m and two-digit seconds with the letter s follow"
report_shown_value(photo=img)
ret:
12h16
